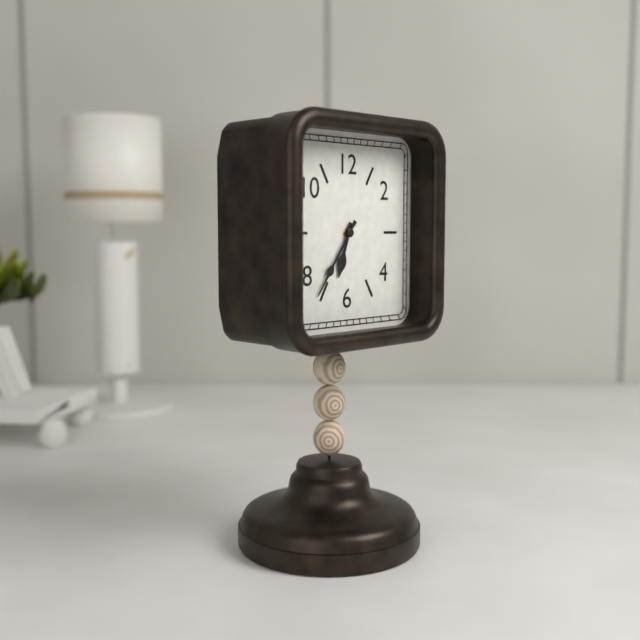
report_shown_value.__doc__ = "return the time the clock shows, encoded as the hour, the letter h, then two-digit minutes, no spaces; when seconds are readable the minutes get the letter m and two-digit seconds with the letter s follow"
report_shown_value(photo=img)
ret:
6h36
